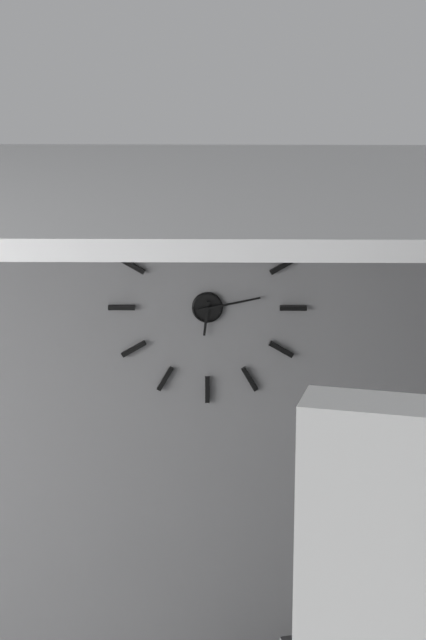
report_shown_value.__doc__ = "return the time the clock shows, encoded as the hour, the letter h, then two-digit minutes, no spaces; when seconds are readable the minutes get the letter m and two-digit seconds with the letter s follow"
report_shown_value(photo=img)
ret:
6h13
